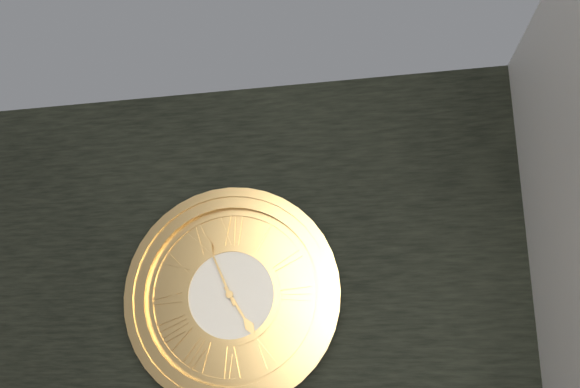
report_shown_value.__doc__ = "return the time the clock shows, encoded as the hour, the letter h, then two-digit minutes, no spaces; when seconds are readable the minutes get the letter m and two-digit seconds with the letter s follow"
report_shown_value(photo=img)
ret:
4h56
